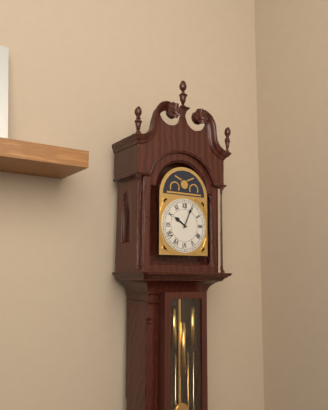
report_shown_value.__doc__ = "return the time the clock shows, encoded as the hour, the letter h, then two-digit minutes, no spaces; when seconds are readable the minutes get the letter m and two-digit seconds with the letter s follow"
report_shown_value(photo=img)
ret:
10h04
